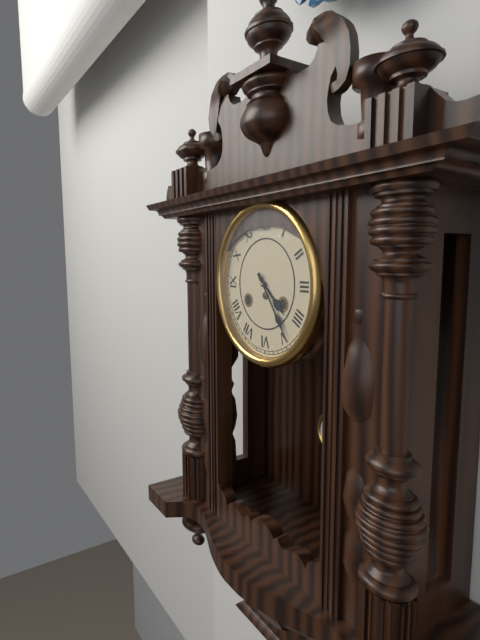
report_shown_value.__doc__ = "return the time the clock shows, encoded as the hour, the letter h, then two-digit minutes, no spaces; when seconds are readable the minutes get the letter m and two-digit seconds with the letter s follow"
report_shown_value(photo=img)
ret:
4h24
